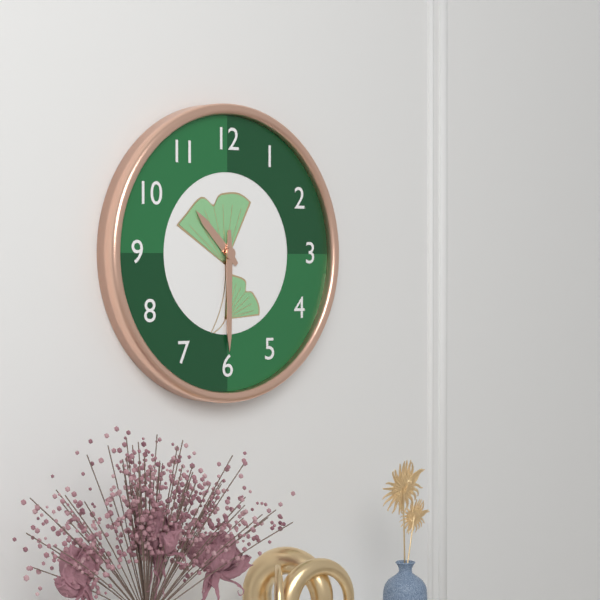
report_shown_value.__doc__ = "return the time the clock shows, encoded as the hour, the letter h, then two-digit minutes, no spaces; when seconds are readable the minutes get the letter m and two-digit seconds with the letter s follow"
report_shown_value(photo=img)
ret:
10h30
